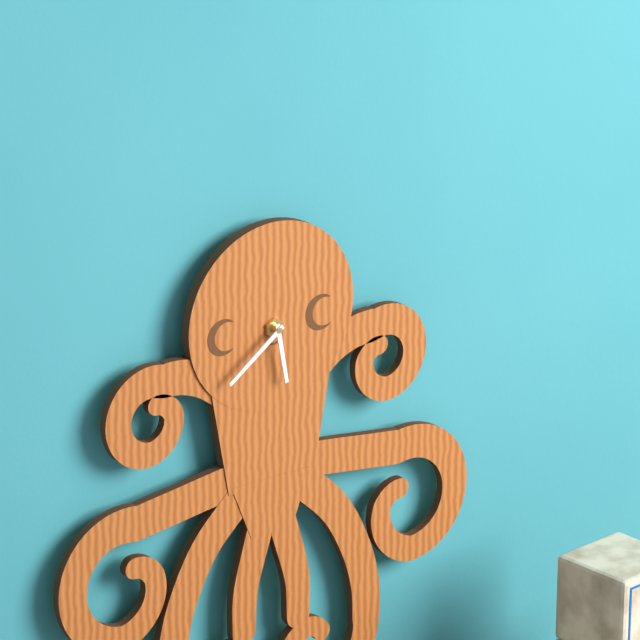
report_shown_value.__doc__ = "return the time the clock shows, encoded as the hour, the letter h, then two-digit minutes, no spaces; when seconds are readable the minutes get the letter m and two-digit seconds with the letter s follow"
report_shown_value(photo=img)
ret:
5h39
